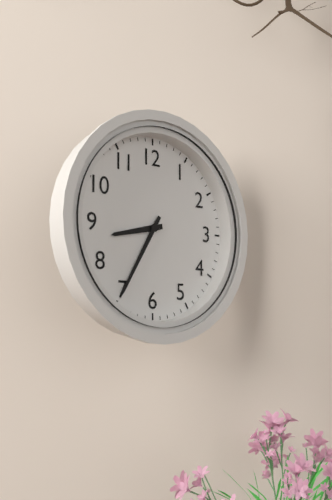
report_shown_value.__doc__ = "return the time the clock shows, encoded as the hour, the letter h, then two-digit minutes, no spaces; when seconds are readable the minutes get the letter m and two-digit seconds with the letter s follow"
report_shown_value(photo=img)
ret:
8h35
